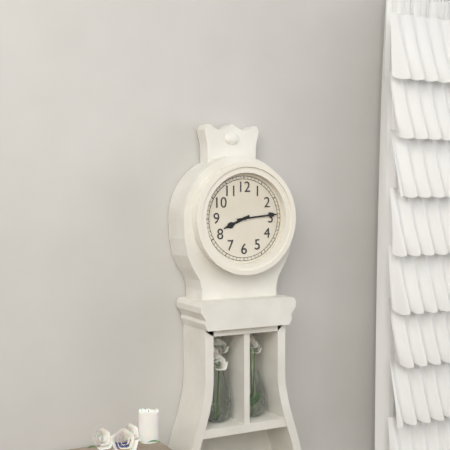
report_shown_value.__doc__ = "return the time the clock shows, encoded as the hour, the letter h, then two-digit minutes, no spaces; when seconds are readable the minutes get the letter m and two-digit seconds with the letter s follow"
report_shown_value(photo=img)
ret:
8h14
